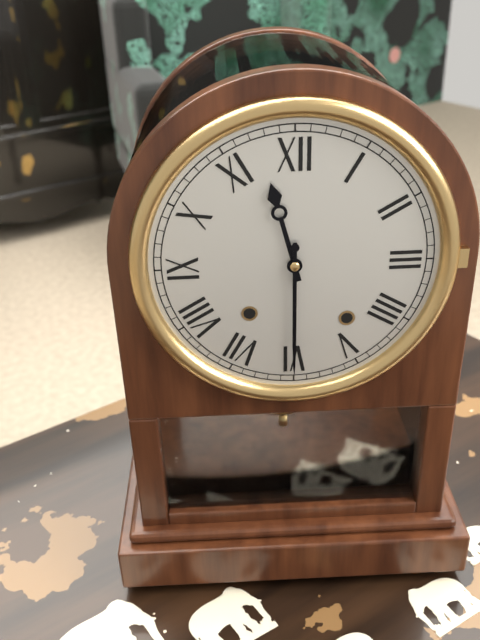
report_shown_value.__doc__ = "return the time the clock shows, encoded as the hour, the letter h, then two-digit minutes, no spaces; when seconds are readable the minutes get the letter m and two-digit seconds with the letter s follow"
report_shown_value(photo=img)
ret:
11h30
